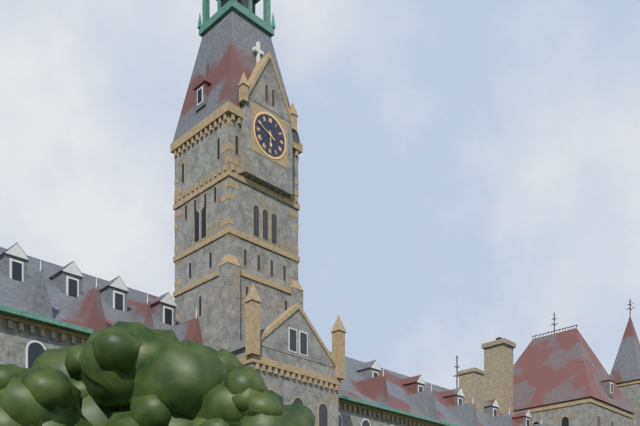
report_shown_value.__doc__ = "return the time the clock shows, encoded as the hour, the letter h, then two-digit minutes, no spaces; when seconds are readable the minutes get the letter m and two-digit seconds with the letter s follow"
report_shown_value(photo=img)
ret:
5h49
